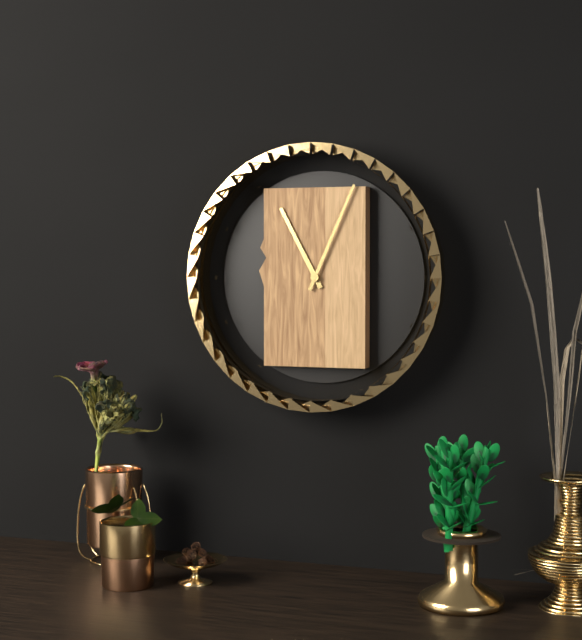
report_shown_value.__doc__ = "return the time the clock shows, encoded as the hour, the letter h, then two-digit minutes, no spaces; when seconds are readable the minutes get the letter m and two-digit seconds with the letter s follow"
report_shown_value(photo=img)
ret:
11h04
